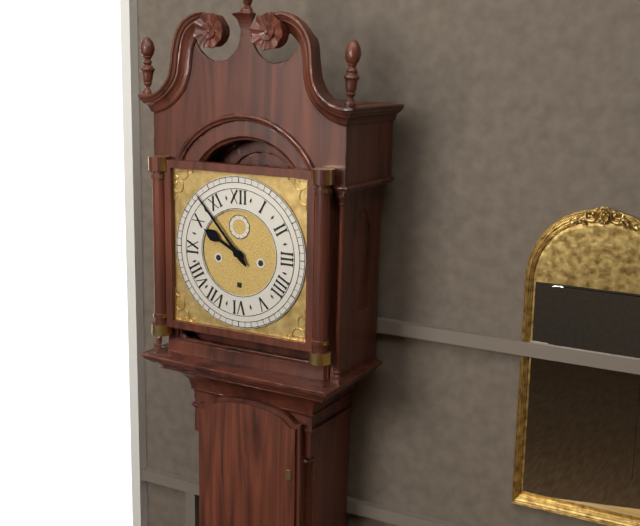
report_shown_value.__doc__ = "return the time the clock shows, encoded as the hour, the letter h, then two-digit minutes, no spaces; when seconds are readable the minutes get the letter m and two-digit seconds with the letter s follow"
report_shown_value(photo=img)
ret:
9h53
